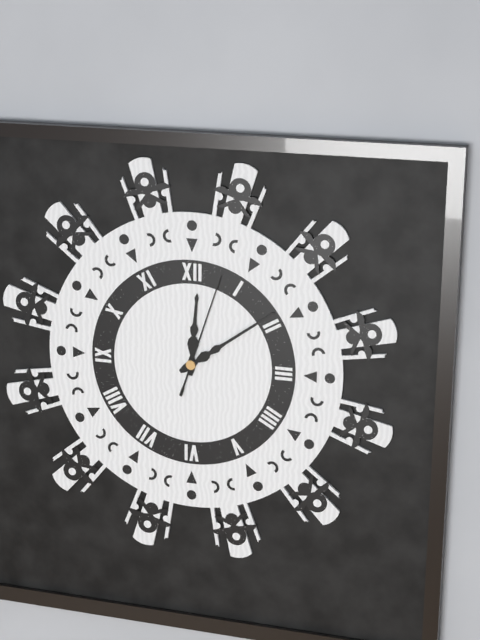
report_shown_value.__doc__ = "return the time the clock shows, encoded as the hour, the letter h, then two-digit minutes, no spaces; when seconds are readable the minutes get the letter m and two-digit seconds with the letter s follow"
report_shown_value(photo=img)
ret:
12h09m03s
